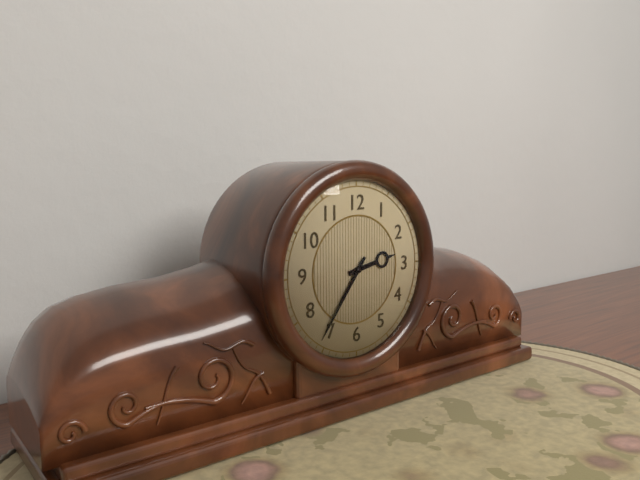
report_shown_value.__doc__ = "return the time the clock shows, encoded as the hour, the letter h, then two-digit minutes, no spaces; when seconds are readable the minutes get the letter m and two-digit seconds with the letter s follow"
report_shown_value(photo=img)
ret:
2h36
